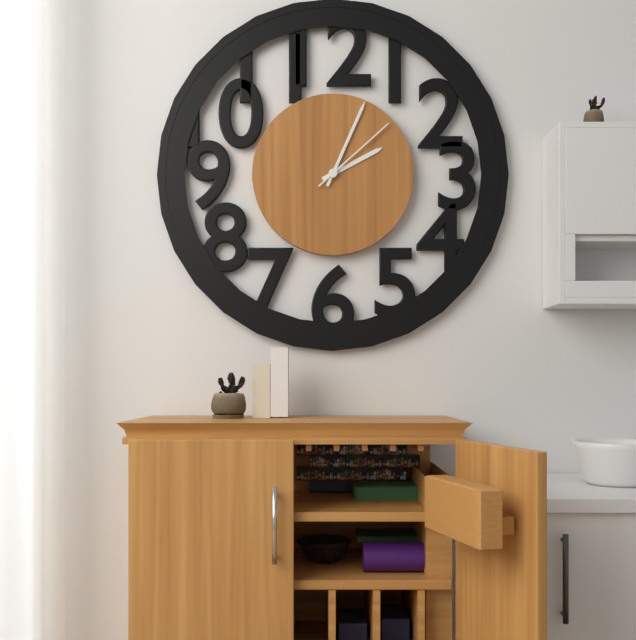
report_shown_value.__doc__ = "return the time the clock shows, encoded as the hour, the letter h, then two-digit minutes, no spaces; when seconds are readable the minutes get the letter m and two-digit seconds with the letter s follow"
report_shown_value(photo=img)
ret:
2h04m08s
